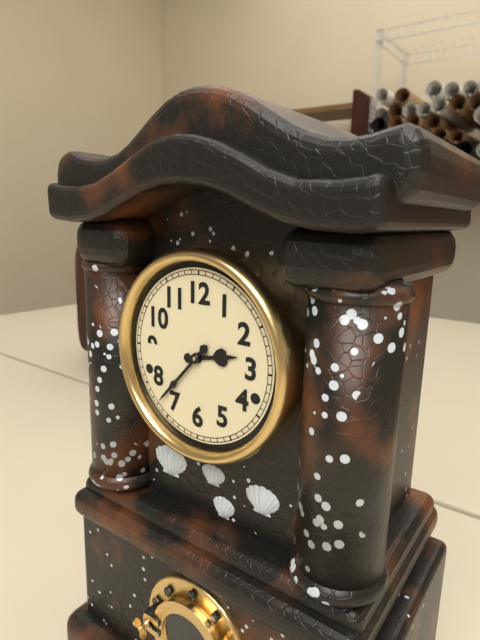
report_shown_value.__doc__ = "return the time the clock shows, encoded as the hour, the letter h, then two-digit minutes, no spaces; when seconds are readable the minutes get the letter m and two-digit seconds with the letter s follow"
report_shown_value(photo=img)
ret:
2h37
